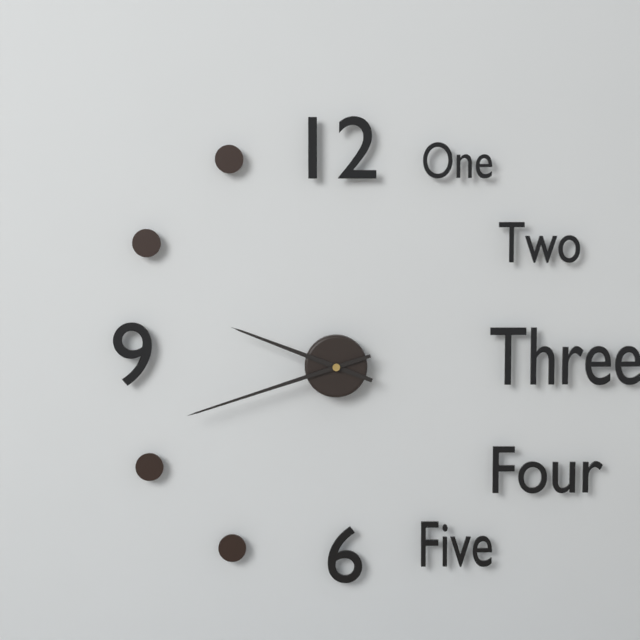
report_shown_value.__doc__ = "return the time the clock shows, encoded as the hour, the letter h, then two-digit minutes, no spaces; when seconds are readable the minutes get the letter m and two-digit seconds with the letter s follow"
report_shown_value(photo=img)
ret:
9h42
